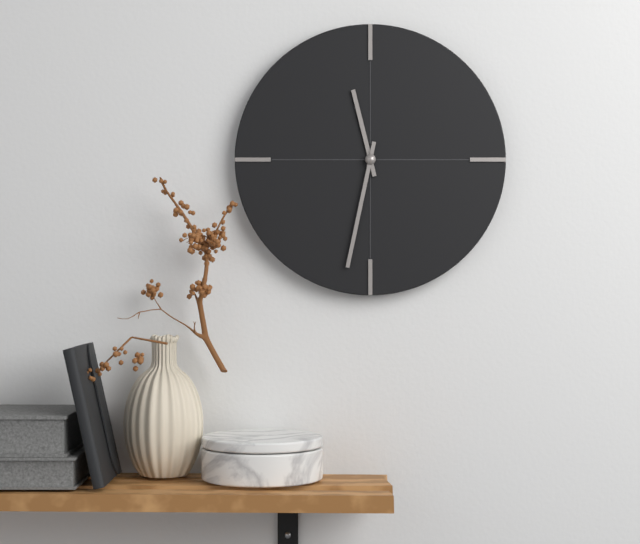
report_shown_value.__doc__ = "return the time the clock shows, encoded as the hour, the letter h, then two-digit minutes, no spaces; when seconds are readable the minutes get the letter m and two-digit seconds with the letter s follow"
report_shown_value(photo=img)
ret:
11h32
